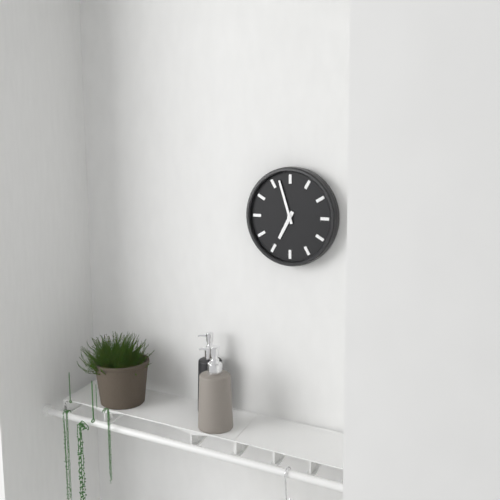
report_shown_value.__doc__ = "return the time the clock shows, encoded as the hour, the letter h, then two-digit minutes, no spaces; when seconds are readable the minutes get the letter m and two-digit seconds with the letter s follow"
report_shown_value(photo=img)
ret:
6h57
